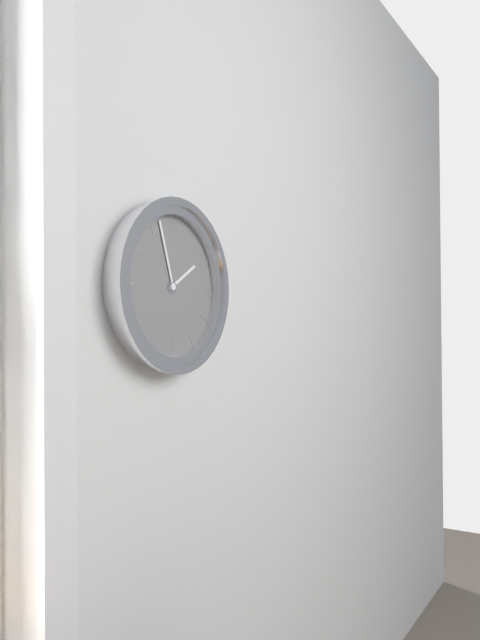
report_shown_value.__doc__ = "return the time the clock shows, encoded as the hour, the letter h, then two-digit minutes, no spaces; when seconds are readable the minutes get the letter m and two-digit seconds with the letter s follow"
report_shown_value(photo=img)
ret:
1h57
